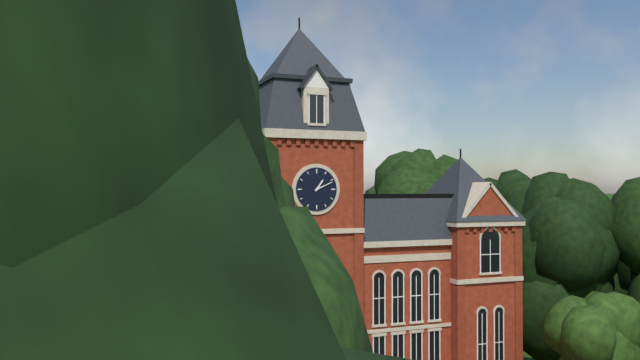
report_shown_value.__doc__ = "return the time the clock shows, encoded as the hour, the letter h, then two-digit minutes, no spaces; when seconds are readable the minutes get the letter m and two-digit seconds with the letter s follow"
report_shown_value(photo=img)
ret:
1h11
